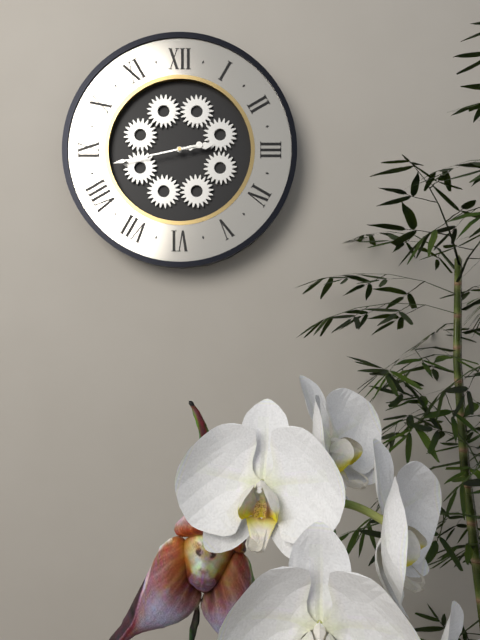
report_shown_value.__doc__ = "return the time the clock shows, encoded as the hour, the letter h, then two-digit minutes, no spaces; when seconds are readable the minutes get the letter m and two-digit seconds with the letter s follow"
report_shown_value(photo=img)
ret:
2h43
